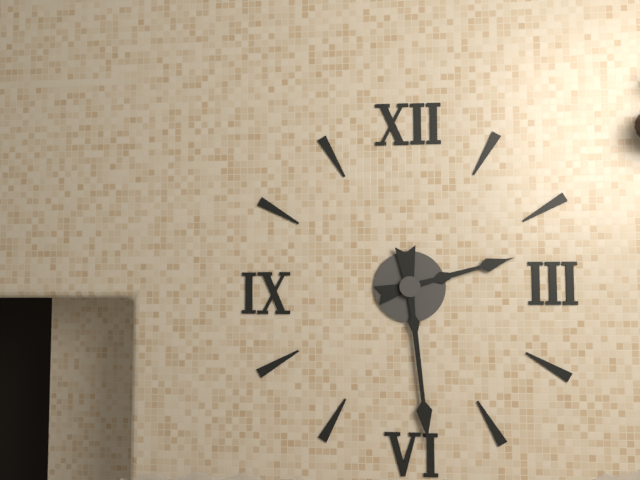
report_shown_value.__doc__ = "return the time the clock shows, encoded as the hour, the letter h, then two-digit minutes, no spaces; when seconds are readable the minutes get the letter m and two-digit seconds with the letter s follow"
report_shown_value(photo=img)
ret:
2h29
